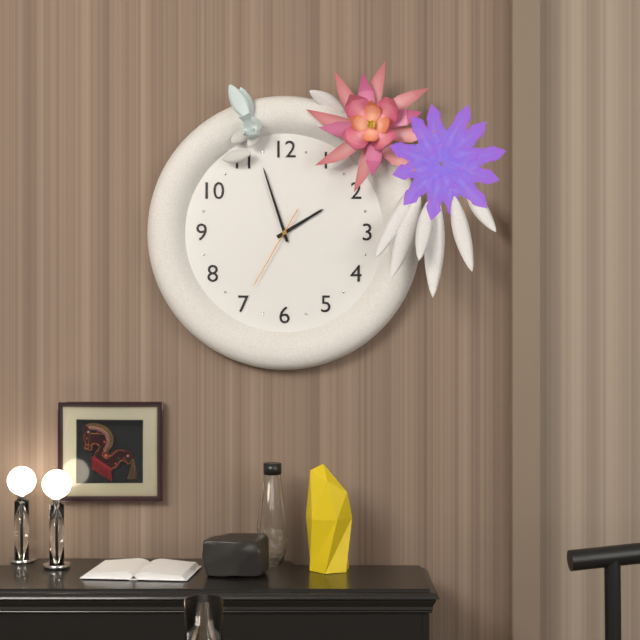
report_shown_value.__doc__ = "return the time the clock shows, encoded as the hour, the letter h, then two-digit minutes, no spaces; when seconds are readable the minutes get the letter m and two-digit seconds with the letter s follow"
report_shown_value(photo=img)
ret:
1h57m35s
